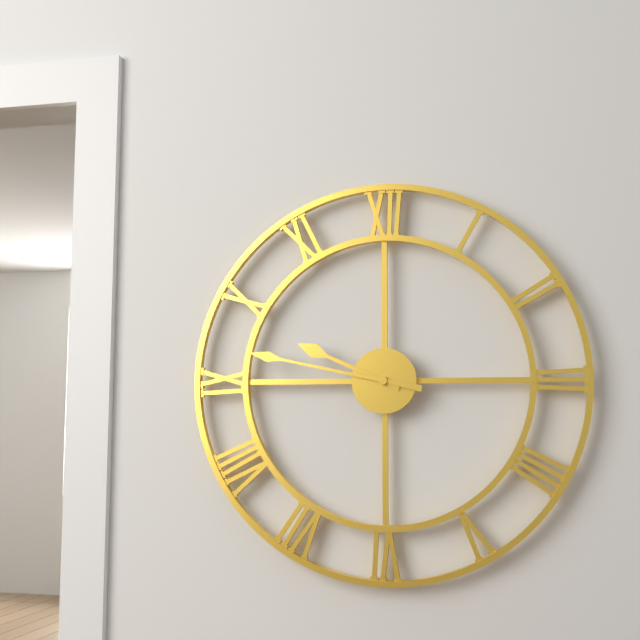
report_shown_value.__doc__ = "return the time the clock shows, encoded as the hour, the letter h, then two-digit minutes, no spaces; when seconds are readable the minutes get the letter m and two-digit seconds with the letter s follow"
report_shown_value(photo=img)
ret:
9h47
